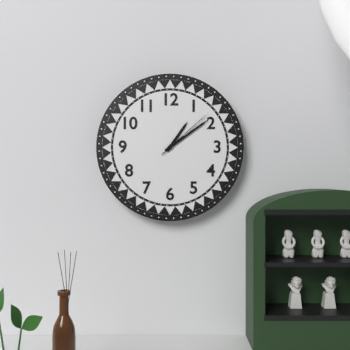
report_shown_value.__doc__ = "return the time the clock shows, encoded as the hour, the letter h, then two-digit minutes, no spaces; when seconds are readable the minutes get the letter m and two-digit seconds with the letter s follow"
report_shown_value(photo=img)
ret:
1h09m08s
